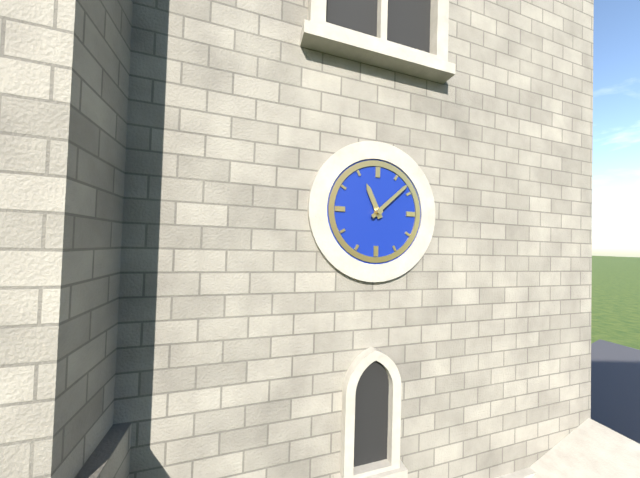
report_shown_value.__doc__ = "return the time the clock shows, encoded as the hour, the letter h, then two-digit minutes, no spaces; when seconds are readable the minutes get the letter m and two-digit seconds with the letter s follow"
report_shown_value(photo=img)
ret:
11h08
